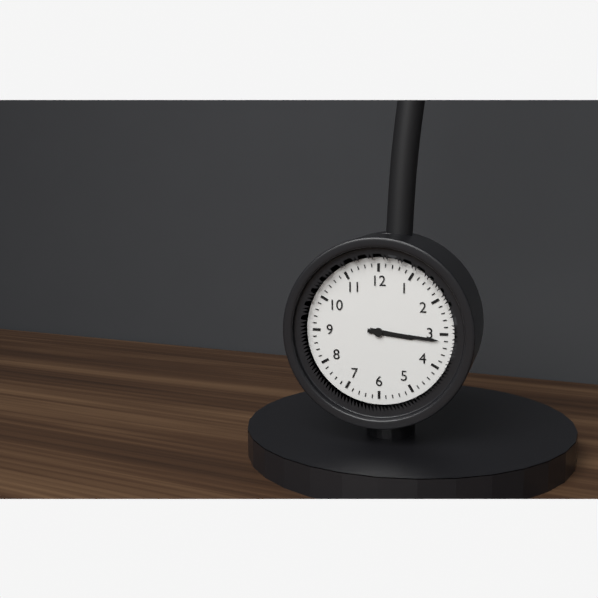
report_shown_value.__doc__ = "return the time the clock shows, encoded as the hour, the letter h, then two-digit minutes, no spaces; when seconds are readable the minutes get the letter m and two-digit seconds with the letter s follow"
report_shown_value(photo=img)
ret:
3h16
